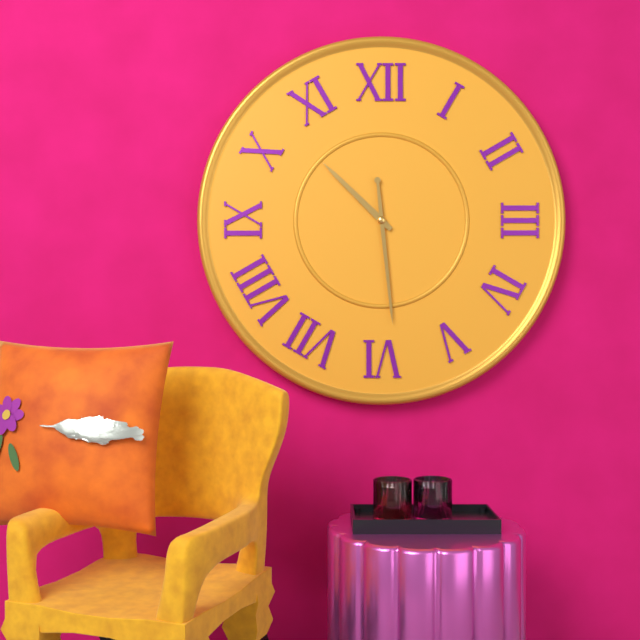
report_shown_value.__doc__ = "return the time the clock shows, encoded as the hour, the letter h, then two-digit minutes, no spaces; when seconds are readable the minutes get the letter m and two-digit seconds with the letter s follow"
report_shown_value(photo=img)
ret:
10h29
